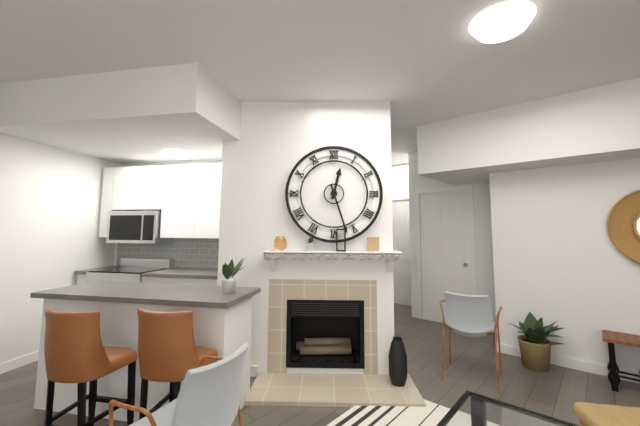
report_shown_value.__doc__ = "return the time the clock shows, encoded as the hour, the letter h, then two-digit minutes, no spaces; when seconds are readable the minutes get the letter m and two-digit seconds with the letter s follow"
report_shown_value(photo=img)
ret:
12h27
